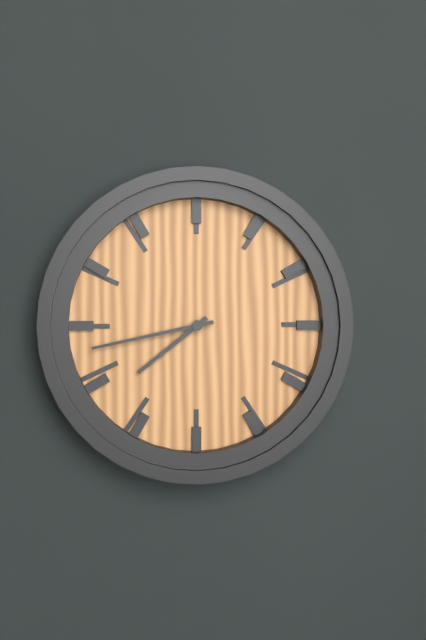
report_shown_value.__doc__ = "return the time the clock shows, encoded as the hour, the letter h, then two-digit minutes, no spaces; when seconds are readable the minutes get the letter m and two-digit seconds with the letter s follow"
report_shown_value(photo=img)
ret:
7h43
